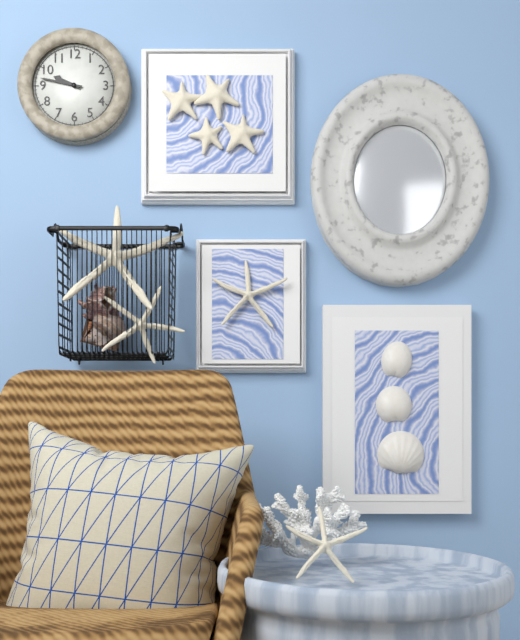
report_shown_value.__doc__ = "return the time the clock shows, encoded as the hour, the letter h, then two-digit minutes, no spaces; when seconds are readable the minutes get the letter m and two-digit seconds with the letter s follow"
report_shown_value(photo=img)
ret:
9h47
